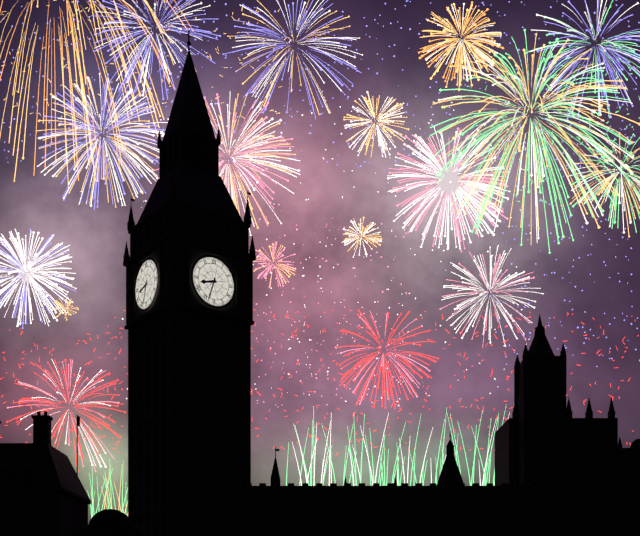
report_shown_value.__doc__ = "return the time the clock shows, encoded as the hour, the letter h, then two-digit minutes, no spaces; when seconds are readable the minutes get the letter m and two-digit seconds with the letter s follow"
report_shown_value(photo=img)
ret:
8h33
